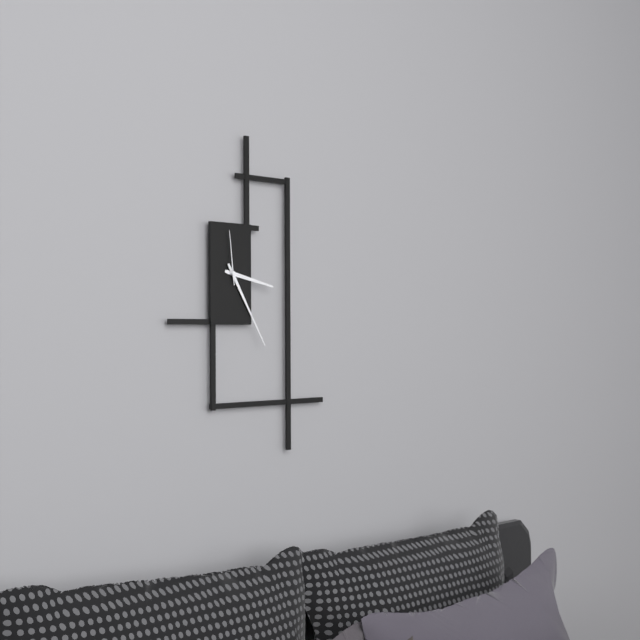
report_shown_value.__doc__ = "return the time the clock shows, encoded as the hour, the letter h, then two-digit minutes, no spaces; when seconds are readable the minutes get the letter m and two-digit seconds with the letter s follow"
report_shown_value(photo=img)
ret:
3h25m59s
